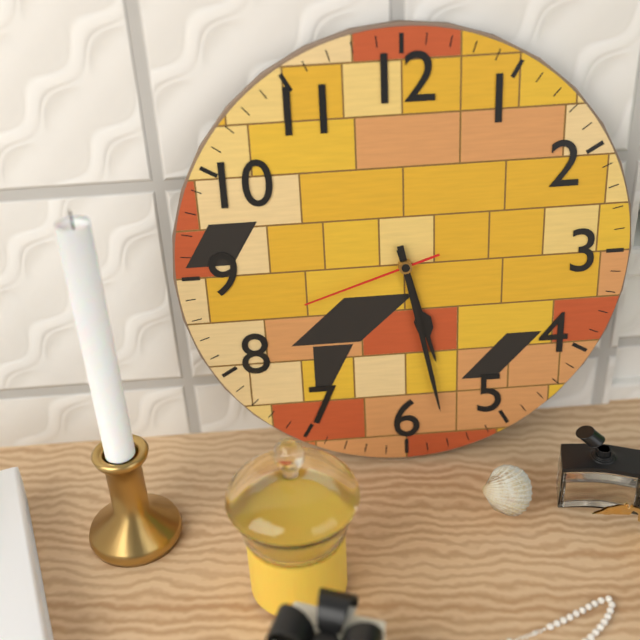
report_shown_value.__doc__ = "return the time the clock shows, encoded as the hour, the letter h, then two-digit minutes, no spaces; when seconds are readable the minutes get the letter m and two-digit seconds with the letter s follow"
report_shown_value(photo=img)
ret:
5h28m42s
